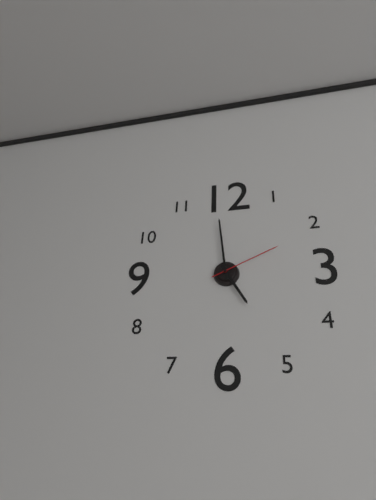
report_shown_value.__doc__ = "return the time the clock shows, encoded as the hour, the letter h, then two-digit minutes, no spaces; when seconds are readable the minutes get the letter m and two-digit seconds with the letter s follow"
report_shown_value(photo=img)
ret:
4h59m11s
